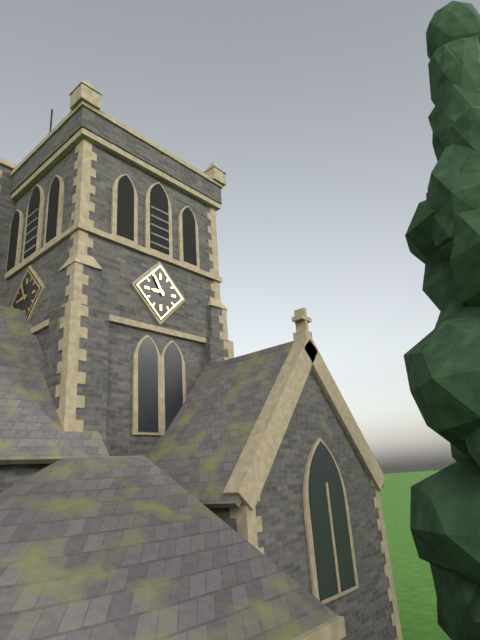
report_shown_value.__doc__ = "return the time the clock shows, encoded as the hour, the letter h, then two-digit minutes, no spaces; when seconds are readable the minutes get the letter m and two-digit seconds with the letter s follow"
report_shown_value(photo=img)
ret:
8h55
